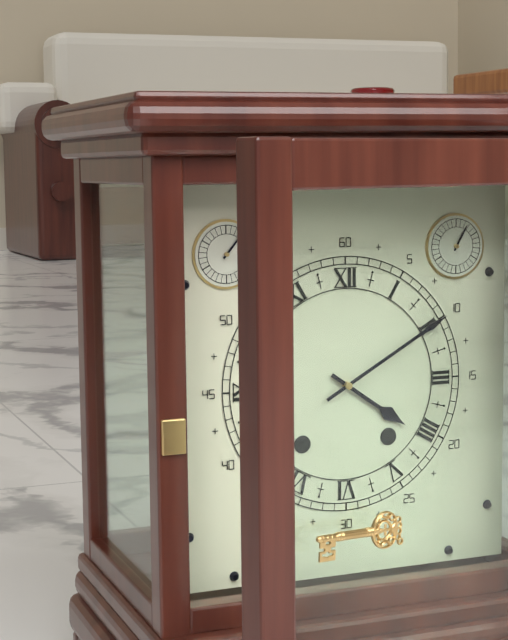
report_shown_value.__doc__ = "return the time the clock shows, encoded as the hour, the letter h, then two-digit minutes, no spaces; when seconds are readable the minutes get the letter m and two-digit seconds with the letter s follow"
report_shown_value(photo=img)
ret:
4h10
